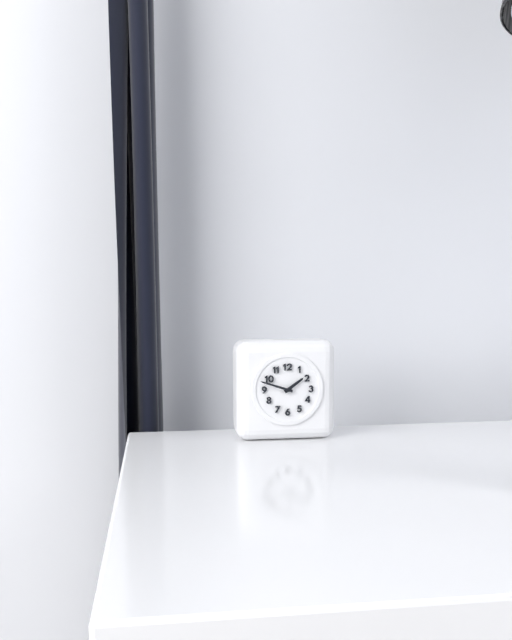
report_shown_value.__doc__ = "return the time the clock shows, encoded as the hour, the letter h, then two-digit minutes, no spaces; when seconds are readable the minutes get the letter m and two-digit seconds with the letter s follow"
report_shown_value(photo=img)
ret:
1h48
